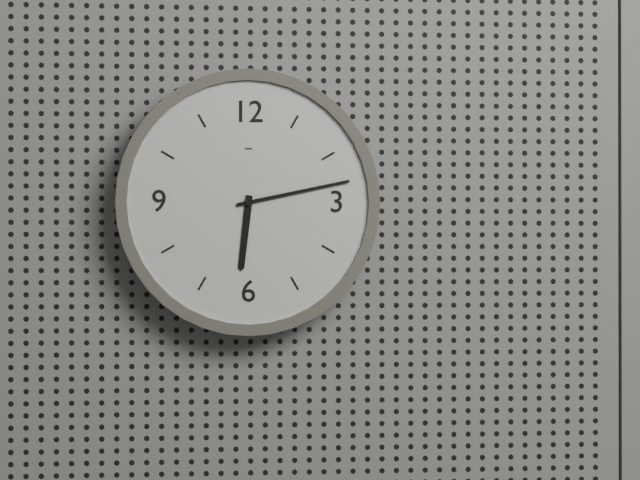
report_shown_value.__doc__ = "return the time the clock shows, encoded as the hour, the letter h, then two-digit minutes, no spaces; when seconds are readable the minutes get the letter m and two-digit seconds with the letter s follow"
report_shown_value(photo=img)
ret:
6h13
